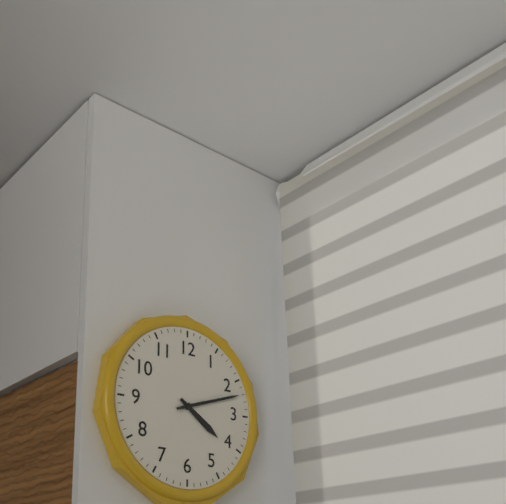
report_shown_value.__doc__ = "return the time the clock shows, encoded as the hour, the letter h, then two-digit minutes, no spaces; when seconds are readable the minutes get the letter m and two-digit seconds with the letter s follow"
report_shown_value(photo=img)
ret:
4h12
